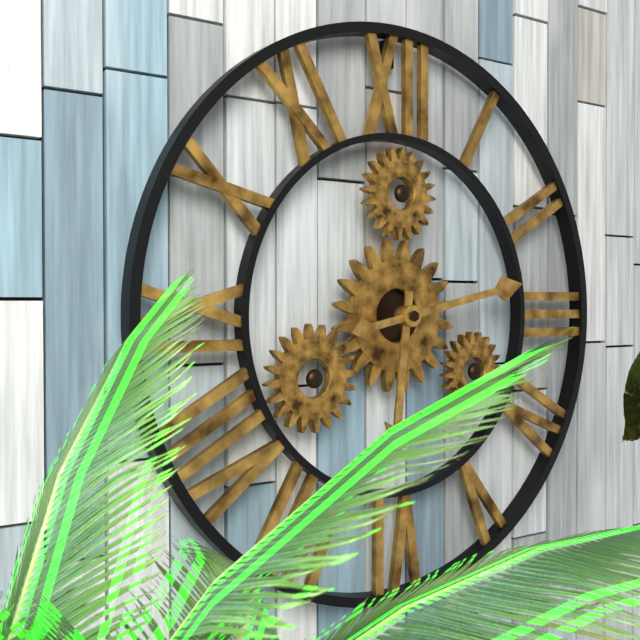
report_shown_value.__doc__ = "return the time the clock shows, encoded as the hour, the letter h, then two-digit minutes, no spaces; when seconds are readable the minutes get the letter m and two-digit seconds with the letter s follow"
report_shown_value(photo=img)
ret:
6h13
